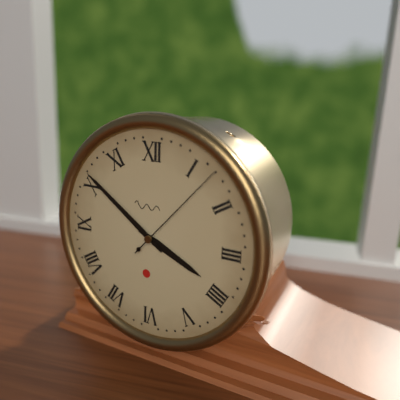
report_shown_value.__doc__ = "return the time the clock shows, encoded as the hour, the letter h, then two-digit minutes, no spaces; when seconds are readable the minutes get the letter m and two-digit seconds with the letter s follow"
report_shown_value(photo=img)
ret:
3h51m07s
